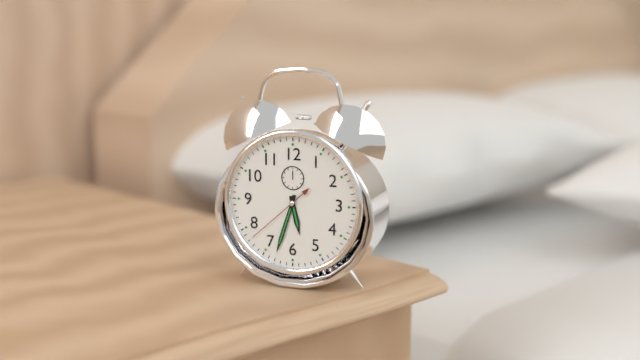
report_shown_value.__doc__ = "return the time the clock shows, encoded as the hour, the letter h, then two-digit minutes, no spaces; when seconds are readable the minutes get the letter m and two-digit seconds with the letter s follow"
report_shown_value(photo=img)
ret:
5h33m38s
